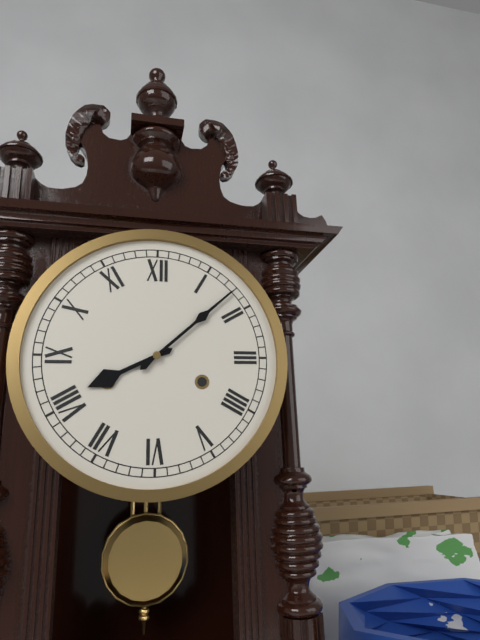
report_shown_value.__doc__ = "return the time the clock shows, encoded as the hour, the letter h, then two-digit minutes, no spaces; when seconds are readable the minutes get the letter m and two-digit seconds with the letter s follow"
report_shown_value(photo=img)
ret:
8h08
